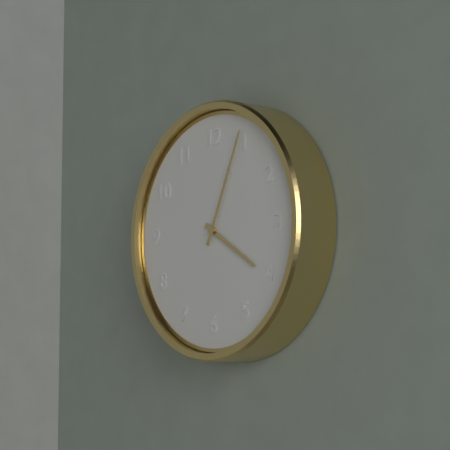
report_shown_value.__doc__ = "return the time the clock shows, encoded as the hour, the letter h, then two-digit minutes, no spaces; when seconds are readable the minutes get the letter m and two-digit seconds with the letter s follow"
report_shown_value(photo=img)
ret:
4h04
